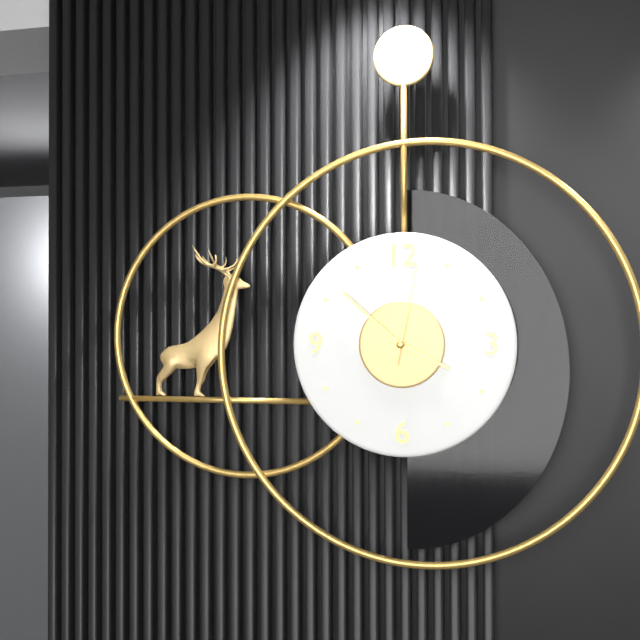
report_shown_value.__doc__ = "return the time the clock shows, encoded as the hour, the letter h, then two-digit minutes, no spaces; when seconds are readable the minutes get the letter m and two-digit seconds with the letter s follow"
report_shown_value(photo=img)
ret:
3h52m02s
